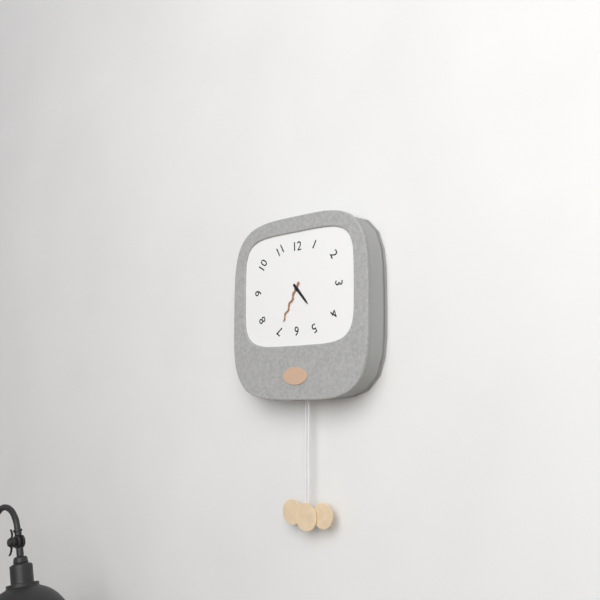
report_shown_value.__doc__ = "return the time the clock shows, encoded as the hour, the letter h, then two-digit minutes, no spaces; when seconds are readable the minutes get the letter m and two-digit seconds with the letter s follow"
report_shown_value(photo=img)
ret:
4h35
